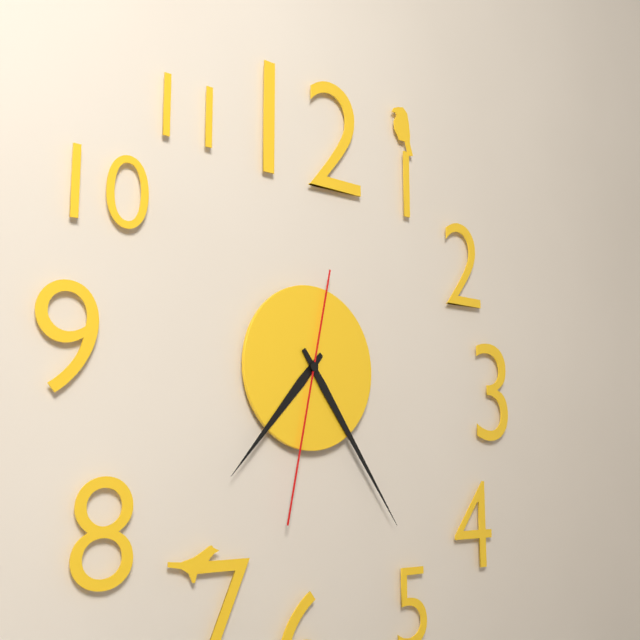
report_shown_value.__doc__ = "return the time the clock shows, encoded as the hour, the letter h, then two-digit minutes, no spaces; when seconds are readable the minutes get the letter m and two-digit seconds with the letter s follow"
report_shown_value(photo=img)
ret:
7h24m32s
